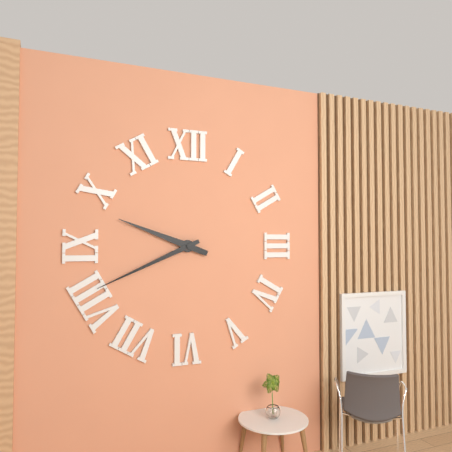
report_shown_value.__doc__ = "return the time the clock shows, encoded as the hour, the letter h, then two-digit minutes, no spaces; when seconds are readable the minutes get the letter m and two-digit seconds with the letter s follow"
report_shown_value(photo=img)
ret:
9h41
